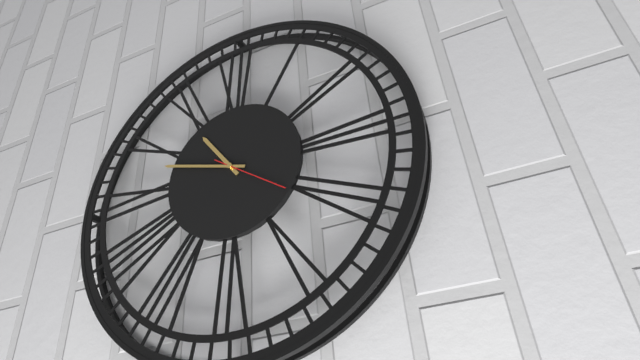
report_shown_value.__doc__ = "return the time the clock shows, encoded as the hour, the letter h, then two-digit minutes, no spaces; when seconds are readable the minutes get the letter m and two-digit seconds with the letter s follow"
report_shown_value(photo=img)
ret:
10h48
